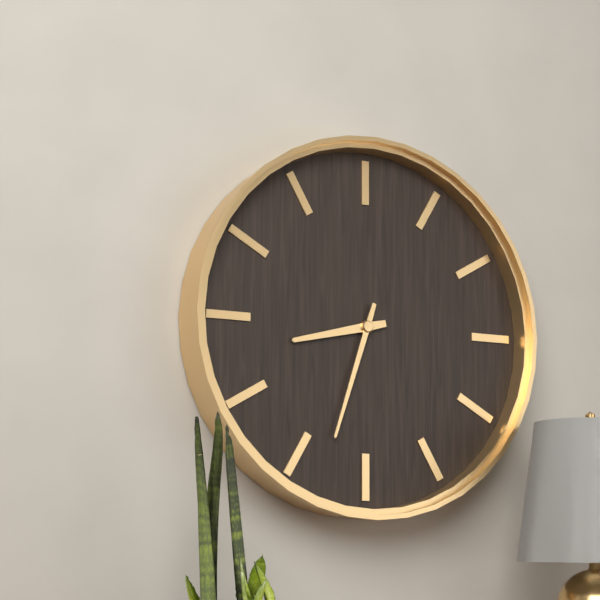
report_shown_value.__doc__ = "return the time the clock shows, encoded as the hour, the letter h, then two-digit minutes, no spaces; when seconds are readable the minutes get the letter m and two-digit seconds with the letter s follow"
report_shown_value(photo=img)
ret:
8h33
